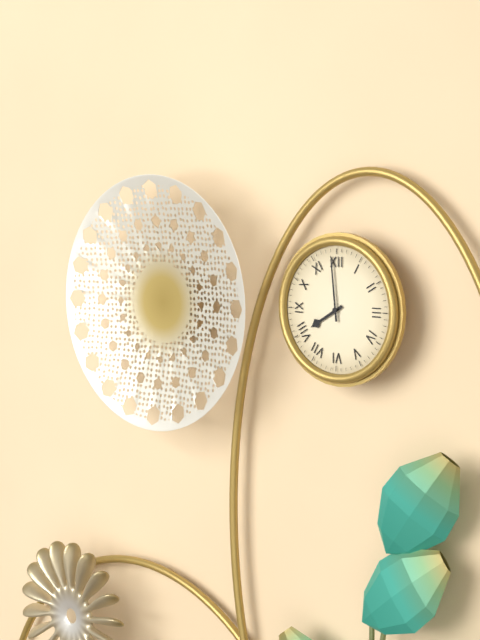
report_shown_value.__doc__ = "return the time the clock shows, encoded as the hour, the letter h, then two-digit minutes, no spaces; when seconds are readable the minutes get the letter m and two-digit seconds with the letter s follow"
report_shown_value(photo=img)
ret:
7h59
